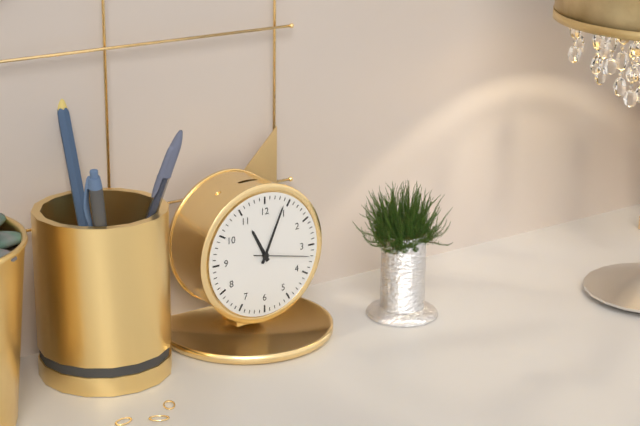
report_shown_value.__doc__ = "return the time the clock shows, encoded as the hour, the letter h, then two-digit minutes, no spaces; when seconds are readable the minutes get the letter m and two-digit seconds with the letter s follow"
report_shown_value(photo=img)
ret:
11h04m17s
